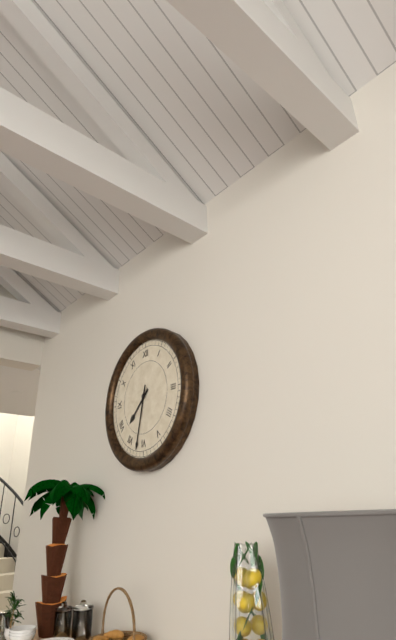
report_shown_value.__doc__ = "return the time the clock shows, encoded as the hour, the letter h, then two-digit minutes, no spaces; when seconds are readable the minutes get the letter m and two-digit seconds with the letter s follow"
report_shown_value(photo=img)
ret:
7h32
